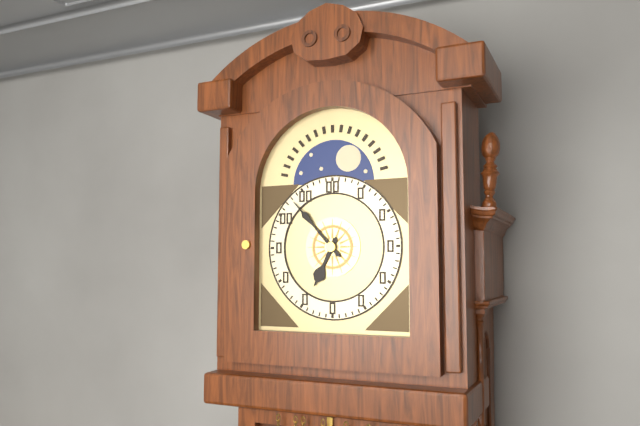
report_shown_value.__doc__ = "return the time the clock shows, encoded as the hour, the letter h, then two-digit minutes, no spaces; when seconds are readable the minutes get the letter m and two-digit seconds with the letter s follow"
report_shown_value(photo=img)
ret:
6h53
